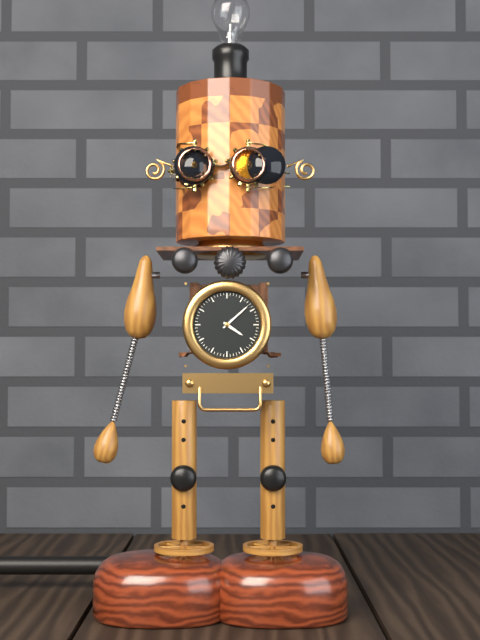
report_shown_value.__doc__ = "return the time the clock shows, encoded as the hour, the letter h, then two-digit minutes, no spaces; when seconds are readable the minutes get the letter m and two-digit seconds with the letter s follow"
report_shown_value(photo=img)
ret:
4h08
